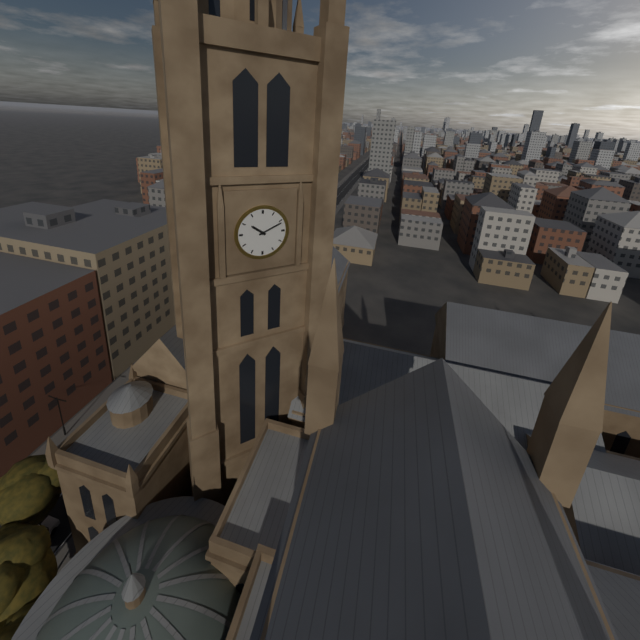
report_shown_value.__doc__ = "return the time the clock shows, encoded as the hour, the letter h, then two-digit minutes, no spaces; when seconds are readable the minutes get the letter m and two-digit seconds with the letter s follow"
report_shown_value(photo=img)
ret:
10h11
